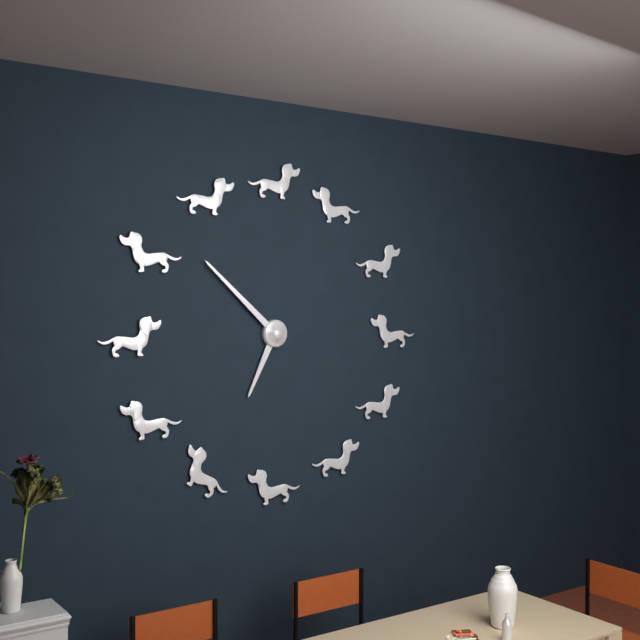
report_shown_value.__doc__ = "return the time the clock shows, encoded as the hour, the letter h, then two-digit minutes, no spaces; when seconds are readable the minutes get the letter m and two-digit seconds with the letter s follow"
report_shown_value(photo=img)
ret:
6h52
